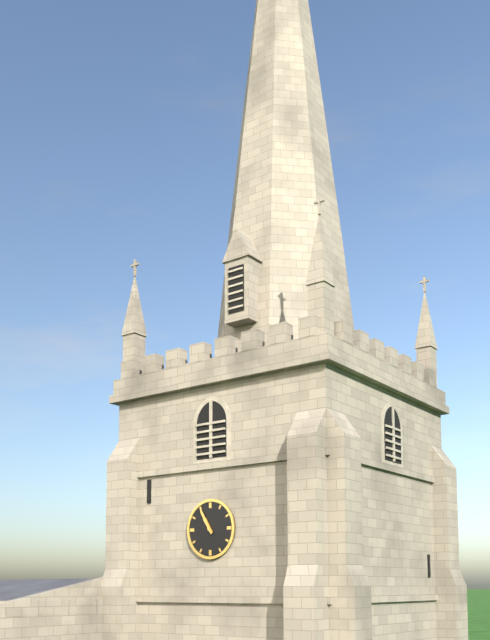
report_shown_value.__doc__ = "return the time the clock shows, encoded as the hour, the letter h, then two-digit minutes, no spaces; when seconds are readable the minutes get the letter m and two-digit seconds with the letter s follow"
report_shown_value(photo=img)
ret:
10h55
